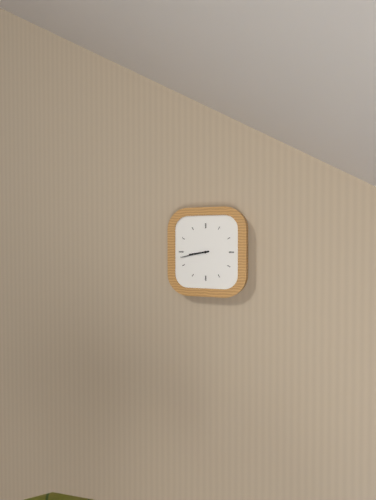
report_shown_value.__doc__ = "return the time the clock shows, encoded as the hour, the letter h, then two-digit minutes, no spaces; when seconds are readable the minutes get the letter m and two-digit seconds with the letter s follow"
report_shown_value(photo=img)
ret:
8h43
